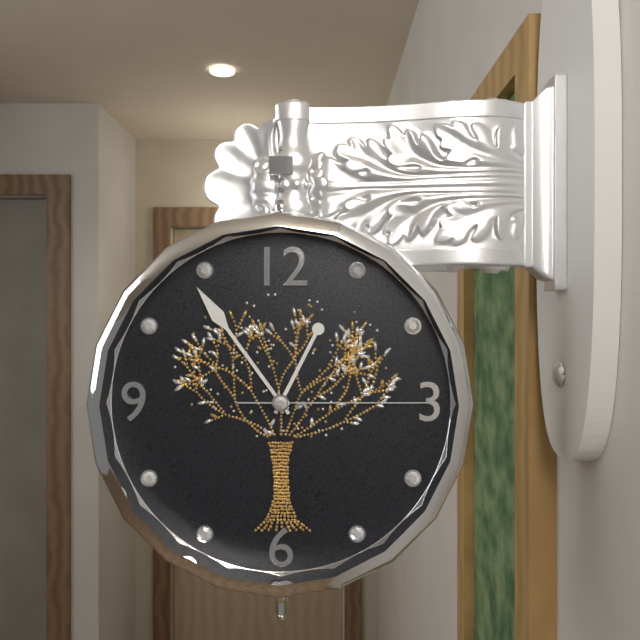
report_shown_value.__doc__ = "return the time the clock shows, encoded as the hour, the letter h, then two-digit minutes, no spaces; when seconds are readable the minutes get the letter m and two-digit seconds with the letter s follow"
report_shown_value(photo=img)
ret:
12h54m15s
